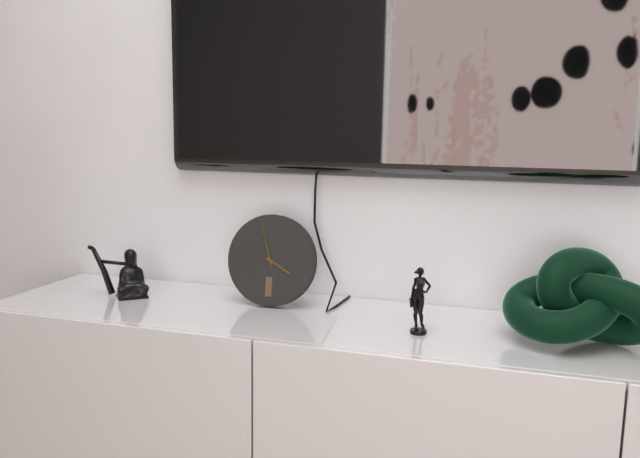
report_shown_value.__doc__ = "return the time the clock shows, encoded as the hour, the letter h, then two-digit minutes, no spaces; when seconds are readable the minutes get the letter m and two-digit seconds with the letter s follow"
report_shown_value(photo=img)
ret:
3h57
